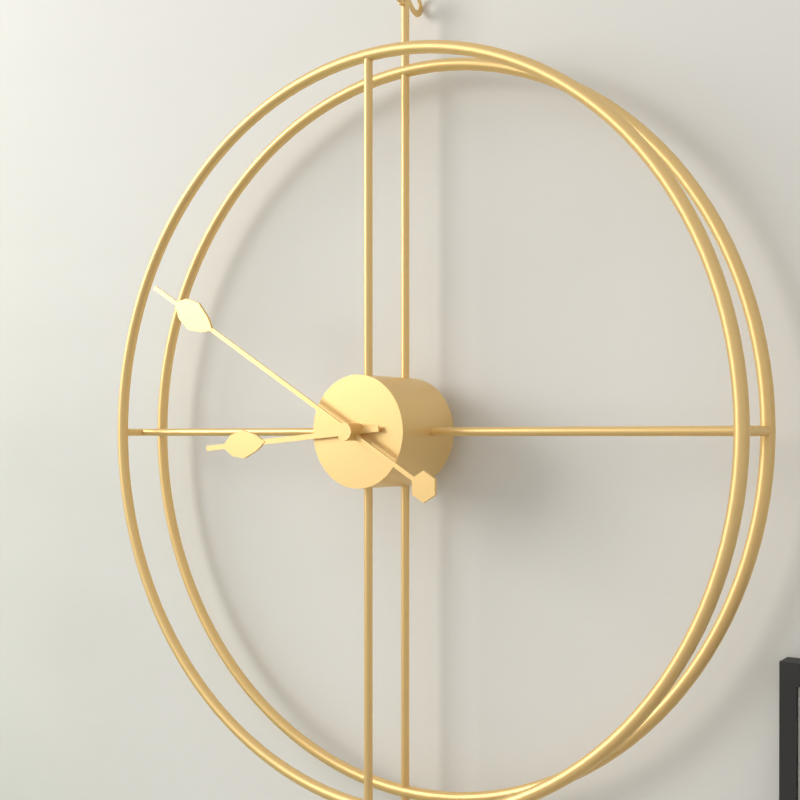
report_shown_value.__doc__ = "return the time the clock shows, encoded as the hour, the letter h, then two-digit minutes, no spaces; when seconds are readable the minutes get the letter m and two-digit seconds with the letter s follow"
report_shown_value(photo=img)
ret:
8h50
